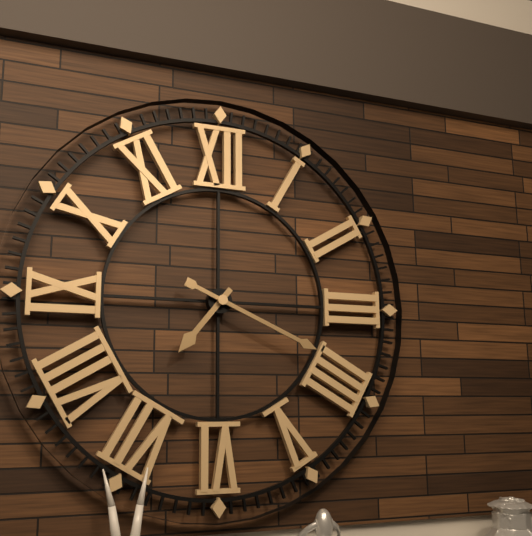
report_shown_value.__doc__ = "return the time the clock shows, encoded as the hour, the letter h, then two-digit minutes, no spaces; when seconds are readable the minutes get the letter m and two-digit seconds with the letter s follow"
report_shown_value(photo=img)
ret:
7h19
